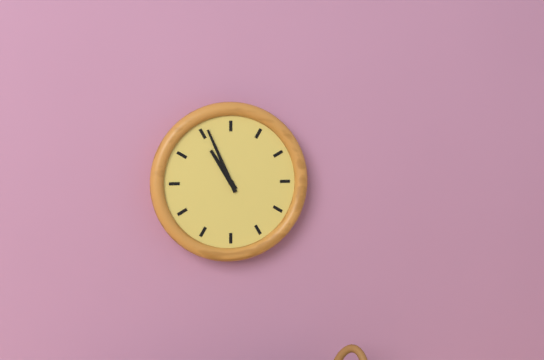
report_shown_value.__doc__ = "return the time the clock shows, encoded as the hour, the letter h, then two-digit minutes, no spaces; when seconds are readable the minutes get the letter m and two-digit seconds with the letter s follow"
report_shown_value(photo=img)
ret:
10h56
